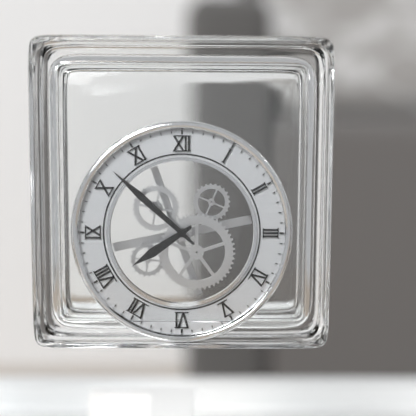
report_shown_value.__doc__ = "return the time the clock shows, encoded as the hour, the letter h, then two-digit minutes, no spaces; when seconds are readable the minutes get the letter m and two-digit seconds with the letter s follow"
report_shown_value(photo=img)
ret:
7h52
